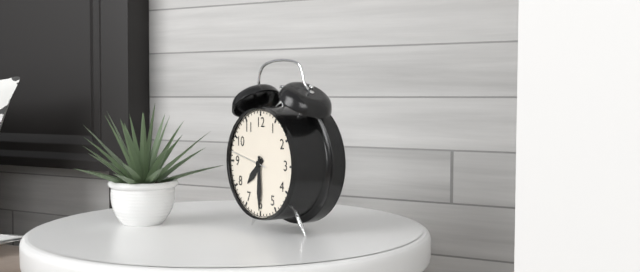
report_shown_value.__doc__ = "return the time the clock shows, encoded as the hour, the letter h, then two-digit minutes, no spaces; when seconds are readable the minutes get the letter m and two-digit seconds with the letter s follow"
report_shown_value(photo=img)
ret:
7h30m47s
